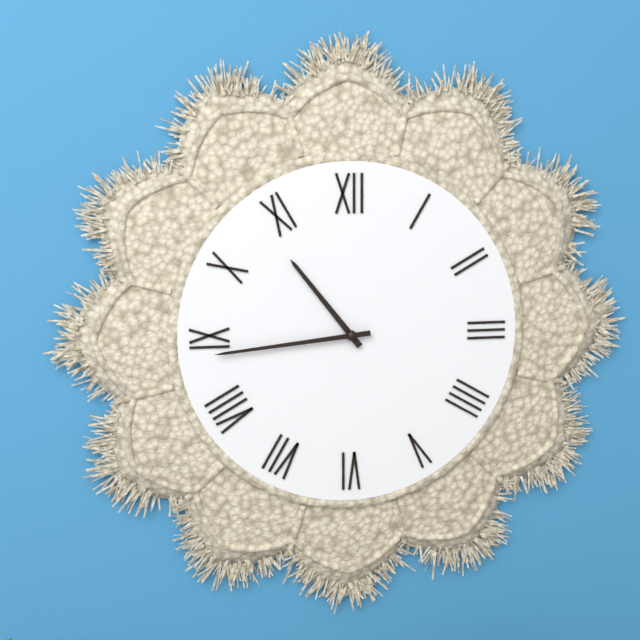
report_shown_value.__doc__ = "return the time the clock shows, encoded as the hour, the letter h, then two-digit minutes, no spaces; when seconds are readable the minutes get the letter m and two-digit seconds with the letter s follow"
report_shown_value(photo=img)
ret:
10h44
